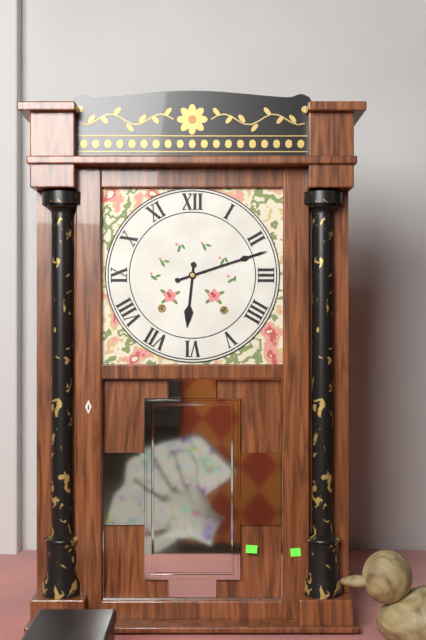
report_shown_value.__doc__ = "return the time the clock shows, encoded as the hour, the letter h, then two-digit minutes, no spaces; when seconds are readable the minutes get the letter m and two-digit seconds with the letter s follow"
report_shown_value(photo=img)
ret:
6h12
